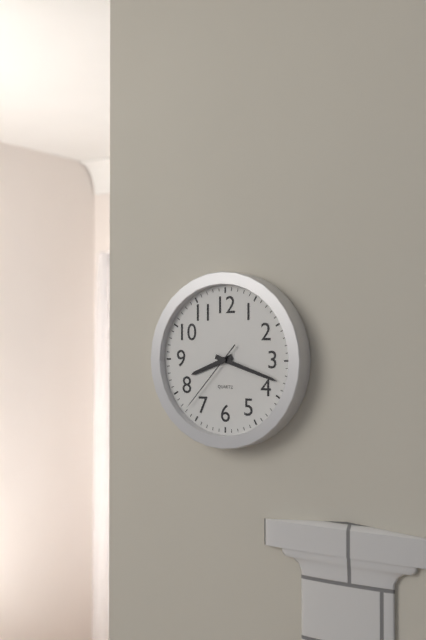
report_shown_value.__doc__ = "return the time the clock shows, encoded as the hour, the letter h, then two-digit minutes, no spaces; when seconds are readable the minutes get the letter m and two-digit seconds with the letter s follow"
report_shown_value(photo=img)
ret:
8h18m37s
